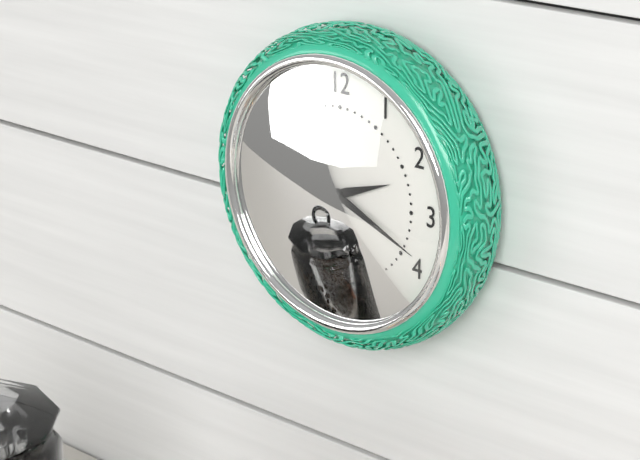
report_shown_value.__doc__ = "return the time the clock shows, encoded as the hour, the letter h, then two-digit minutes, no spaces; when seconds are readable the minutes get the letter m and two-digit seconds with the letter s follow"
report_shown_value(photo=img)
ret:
2h19
